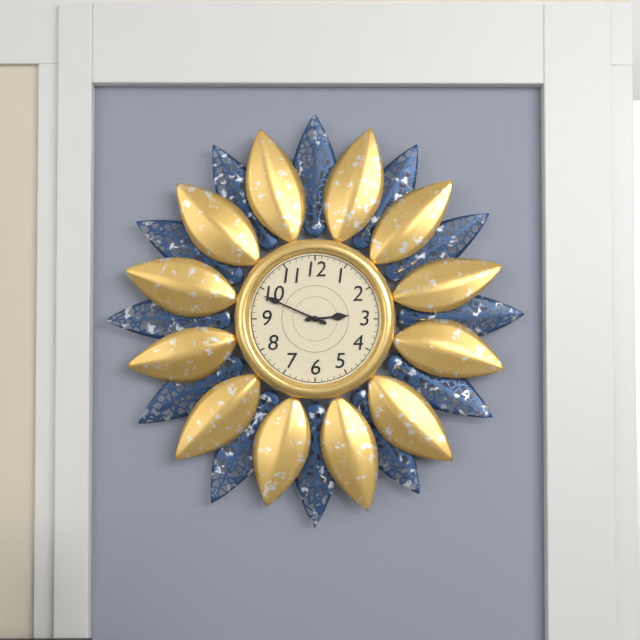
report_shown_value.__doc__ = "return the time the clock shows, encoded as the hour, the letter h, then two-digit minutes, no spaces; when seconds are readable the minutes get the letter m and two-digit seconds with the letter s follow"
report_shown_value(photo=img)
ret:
2h49
